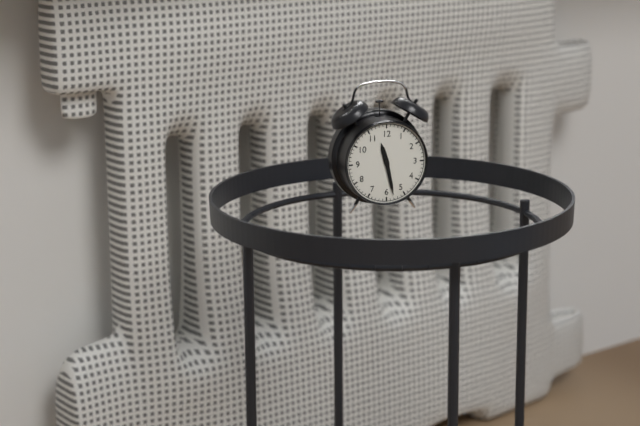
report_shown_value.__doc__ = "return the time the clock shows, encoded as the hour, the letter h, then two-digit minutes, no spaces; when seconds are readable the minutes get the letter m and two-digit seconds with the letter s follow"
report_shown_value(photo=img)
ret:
11h28
